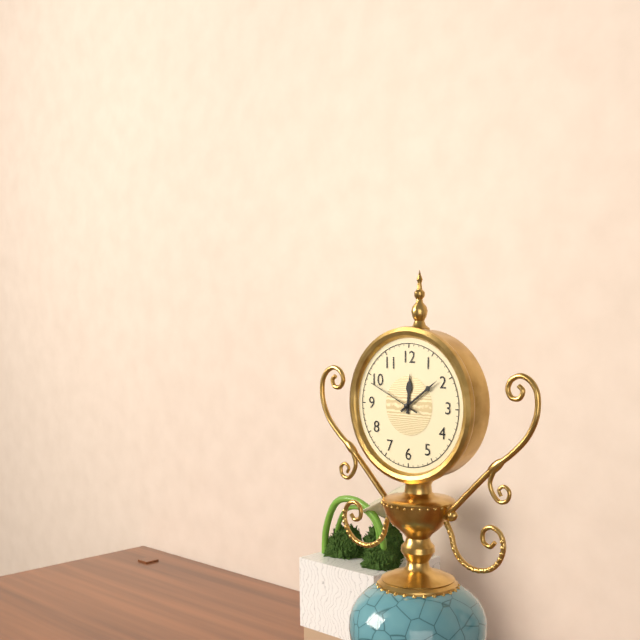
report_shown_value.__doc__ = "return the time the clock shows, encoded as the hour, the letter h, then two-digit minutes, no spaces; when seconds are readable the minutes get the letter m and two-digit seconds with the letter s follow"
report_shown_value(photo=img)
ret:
12h09m49s
